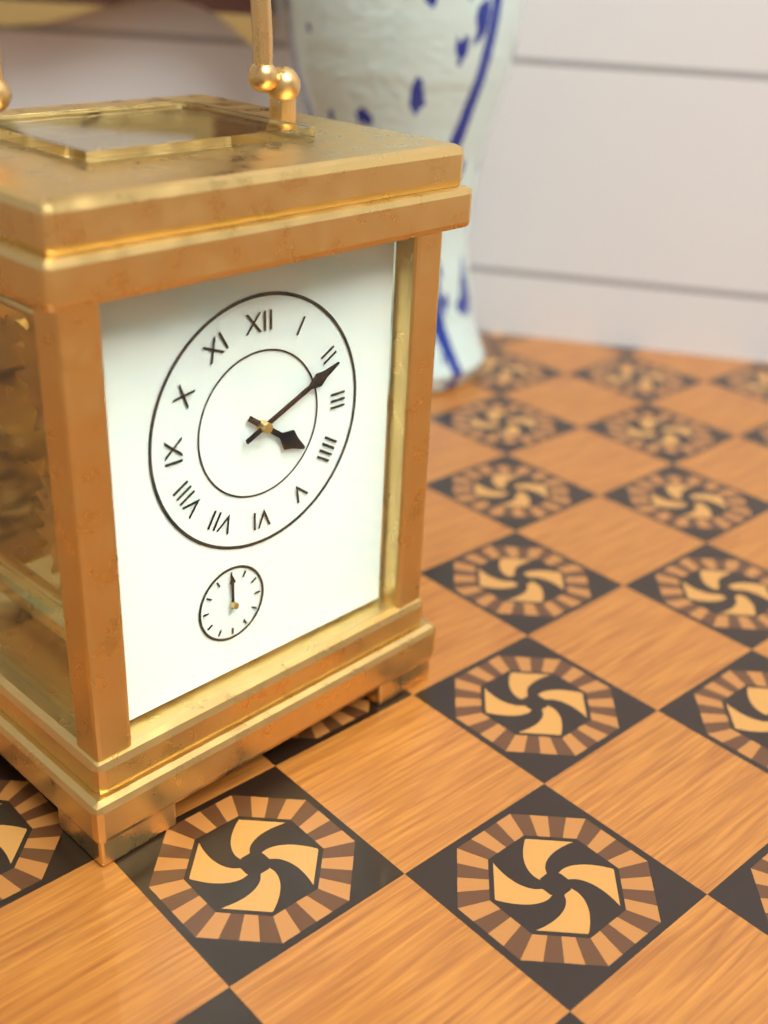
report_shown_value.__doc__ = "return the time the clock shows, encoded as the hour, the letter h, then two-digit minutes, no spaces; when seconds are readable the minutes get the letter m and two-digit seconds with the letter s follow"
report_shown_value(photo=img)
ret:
4h11
